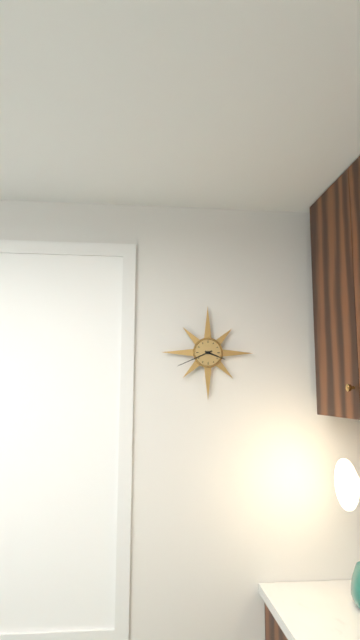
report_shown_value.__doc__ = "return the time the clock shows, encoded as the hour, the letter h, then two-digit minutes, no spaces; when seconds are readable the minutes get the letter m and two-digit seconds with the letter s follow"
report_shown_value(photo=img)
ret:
3h41
